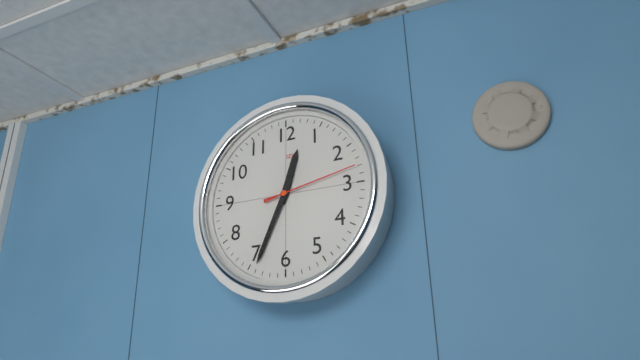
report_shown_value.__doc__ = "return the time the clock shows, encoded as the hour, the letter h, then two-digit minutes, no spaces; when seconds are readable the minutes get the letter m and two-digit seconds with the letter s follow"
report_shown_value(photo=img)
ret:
12h34m13s
